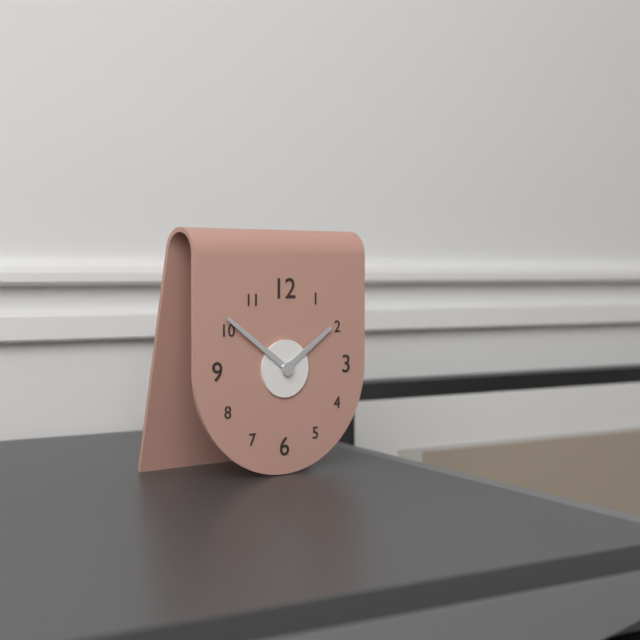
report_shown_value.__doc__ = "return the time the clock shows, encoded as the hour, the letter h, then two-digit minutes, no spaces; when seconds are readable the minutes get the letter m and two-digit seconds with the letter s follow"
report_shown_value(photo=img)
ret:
1h51
